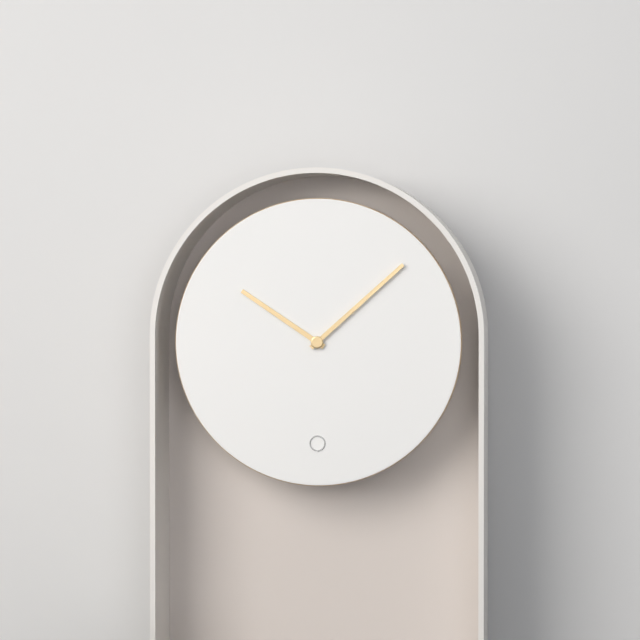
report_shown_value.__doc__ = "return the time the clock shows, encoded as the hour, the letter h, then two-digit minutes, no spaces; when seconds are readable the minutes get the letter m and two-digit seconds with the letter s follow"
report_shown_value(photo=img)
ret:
10h08
